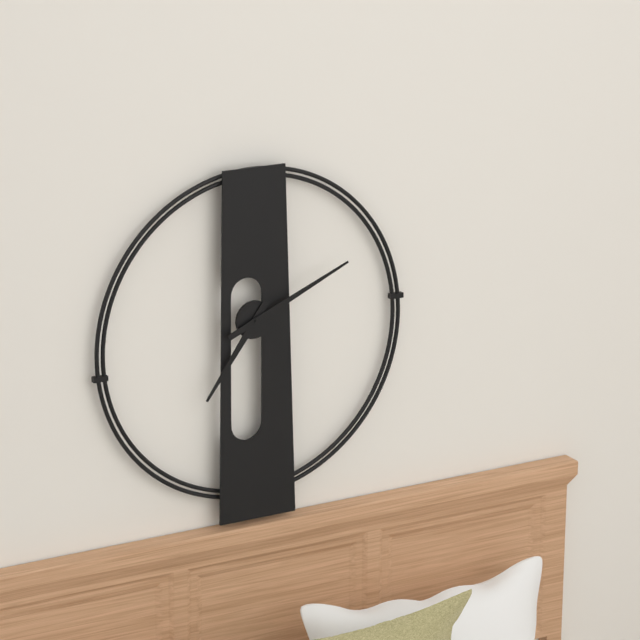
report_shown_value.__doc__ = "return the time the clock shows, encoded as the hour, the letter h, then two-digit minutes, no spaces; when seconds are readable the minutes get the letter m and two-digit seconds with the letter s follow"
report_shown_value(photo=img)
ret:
7h11
